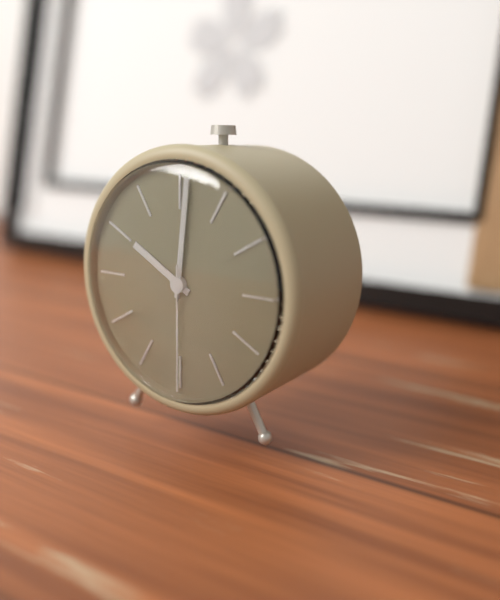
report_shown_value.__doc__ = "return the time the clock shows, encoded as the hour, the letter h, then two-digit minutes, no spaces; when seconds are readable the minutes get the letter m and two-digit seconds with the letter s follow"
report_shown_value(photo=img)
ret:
10h01m30s
